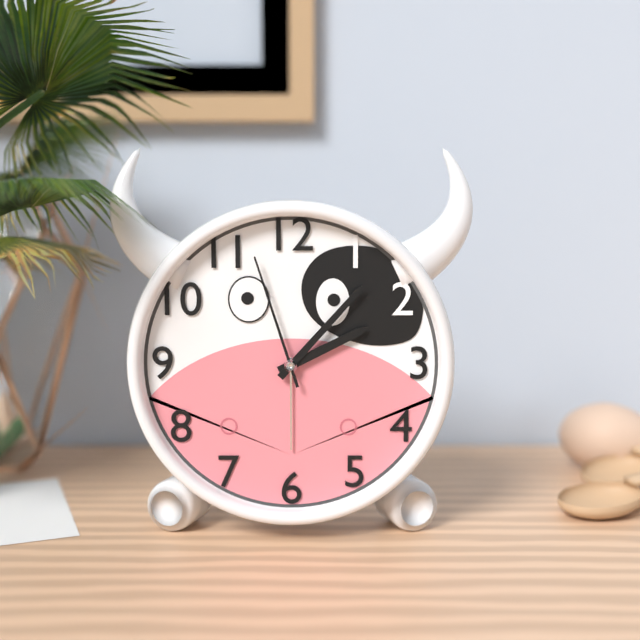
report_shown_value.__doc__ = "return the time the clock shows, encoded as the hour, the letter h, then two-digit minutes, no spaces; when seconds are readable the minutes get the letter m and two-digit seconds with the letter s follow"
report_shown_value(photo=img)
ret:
2h07m57s
